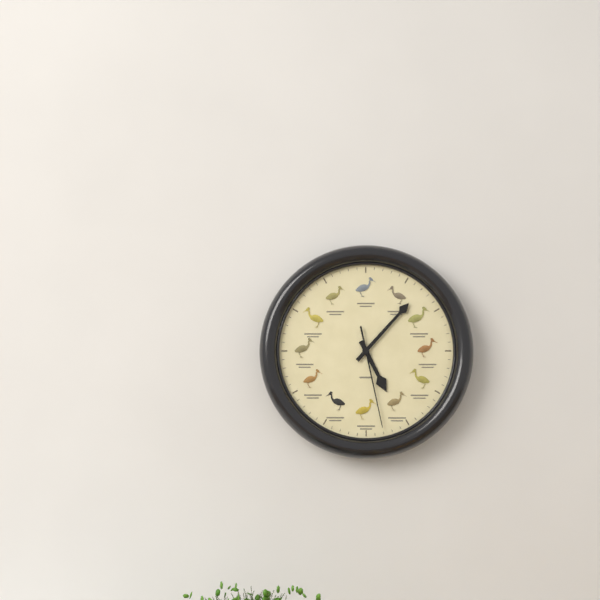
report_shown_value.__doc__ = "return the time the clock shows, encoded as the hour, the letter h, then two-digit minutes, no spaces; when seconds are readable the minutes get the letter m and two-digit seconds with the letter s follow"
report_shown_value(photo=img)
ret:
5h07m28s
